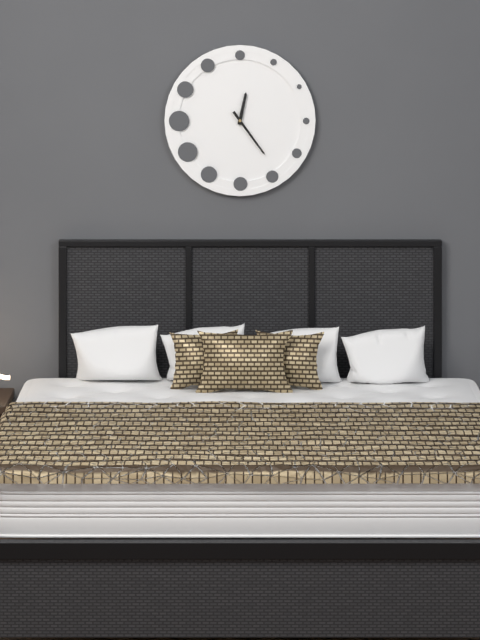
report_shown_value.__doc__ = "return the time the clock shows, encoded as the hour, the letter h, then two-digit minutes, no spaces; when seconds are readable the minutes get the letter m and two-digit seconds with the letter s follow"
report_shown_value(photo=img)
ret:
12h24
